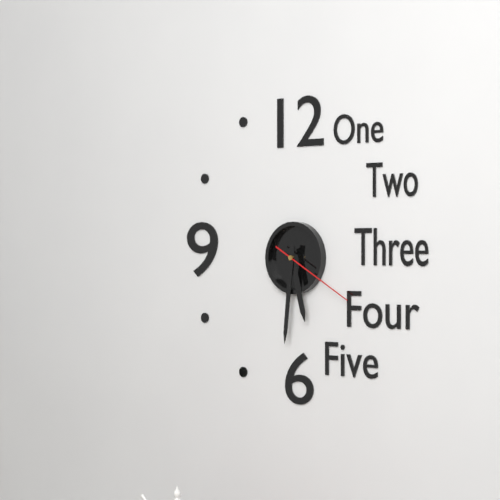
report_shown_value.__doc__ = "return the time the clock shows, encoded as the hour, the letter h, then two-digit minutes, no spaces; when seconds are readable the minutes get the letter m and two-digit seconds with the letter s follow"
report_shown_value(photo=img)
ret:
5h31m20s
